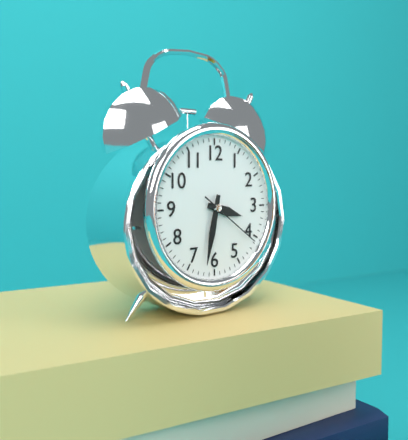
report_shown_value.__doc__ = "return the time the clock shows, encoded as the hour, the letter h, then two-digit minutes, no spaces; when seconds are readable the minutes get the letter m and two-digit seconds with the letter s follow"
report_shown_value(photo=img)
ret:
3h32m21s
